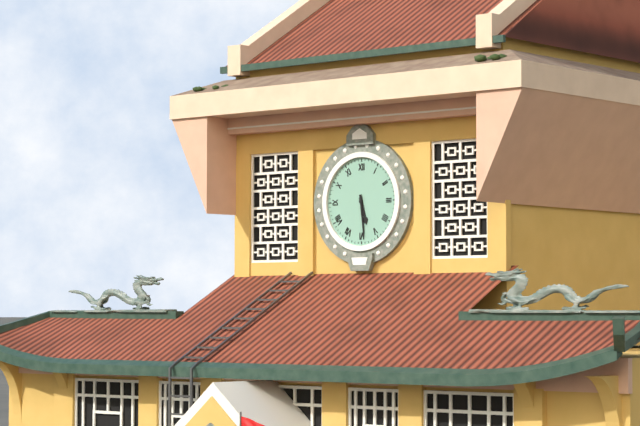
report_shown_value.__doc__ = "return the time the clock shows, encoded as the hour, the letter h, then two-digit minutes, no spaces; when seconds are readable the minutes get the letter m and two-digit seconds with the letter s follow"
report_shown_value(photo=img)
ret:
5h29
